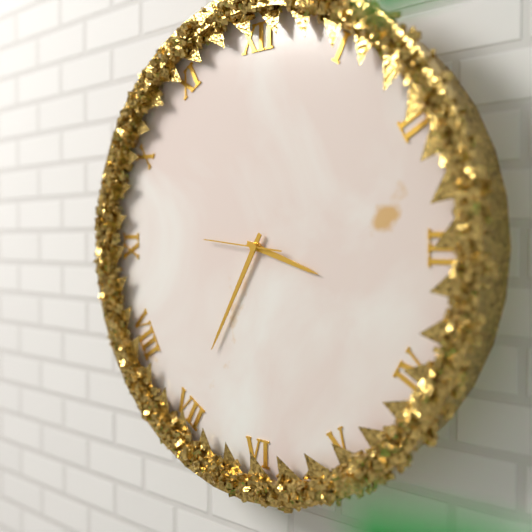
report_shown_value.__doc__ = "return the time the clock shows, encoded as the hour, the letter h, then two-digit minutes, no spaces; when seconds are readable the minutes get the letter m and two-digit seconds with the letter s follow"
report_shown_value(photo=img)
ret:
3h35m46s
